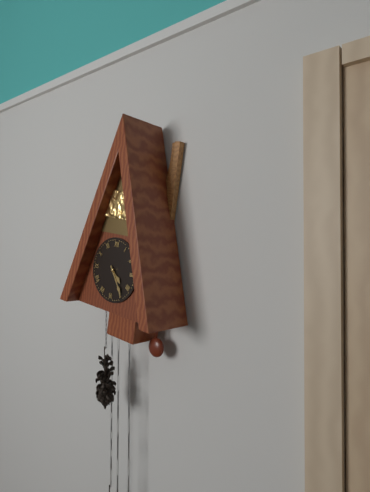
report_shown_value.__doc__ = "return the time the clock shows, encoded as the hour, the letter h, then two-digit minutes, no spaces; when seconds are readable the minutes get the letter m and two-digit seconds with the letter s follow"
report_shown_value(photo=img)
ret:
4h24
